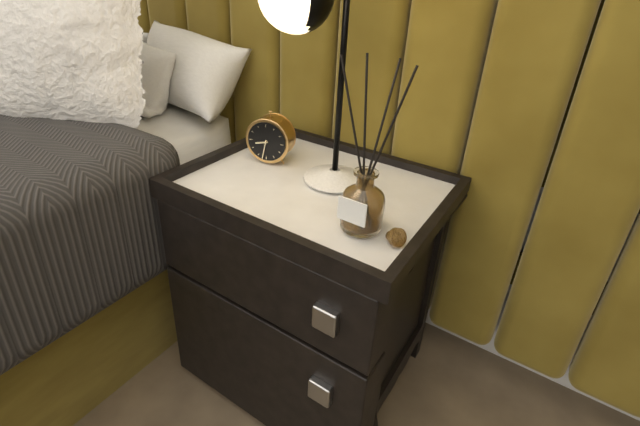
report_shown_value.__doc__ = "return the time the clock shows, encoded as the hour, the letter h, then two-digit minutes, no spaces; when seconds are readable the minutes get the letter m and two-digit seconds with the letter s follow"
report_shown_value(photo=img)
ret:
8h32
